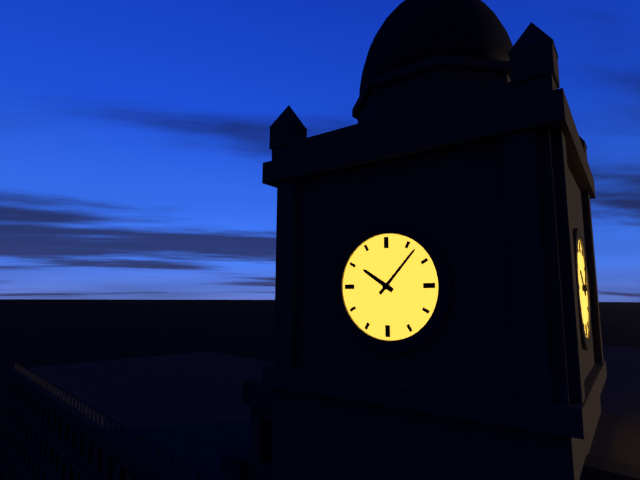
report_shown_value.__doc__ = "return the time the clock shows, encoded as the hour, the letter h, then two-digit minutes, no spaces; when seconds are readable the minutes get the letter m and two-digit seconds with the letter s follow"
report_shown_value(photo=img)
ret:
10h07
